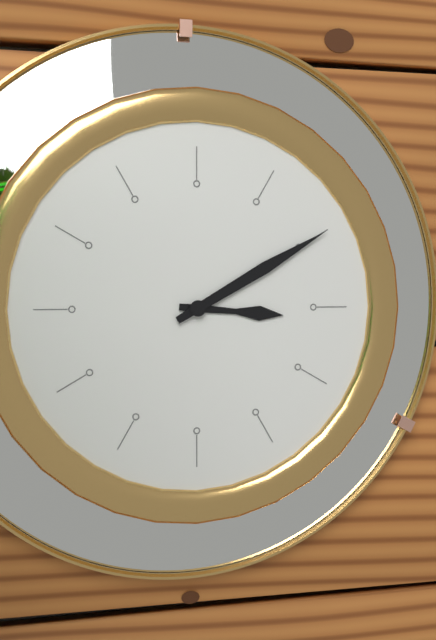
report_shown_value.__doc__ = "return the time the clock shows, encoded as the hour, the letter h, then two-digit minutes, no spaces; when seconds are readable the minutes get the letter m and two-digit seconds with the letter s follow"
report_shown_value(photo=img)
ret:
3h10
